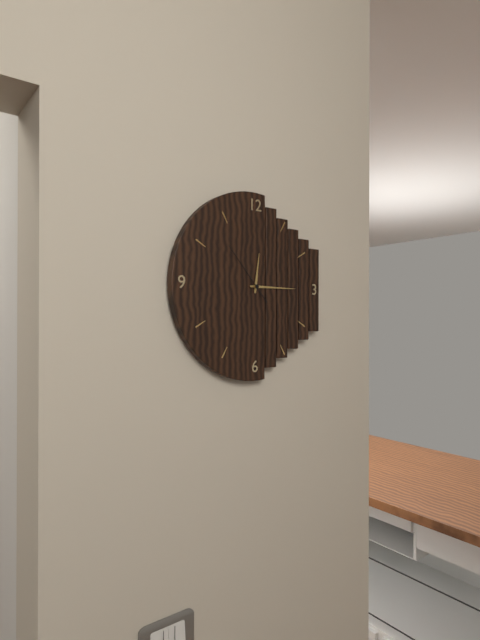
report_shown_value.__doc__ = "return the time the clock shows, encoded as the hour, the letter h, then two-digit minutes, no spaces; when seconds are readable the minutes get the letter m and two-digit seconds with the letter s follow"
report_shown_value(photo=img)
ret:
12h15m53s
